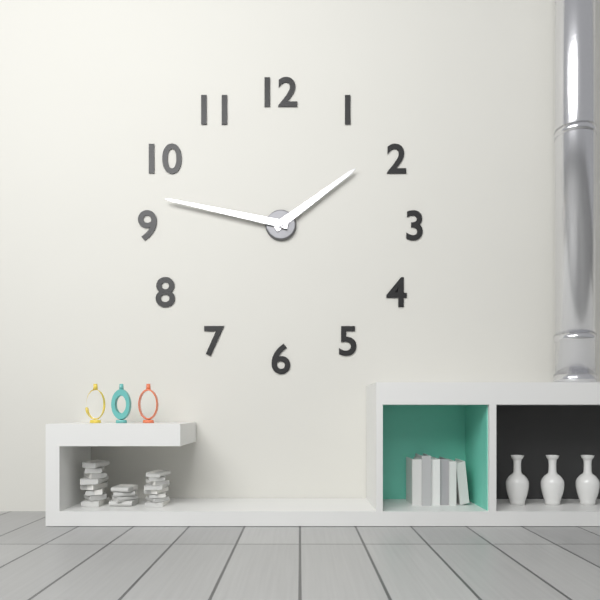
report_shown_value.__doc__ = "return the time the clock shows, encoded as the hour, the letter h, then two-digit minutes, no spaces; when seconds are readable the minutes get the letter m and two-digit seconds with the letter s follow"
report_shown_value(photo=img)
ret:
1h47
